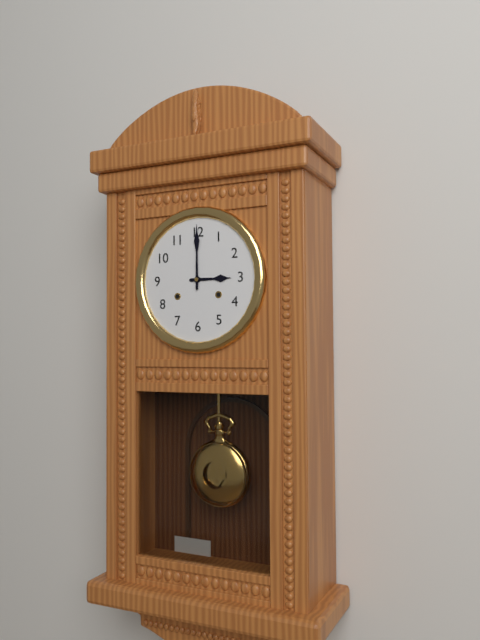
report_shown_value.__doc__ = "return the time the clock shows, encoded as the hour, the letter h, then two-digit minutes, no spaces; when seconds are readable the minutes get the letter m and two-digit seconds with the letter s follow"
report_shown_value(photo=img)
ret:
3h00
